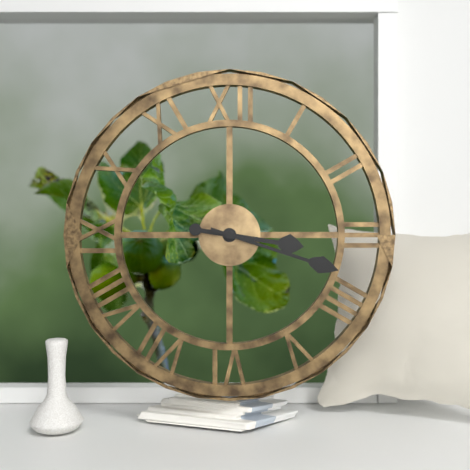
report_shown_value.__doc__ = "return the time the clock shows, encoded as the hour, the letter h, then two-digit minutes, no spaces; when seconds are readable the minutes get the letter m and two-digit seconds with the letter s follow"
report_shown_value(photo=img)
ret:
3h18
